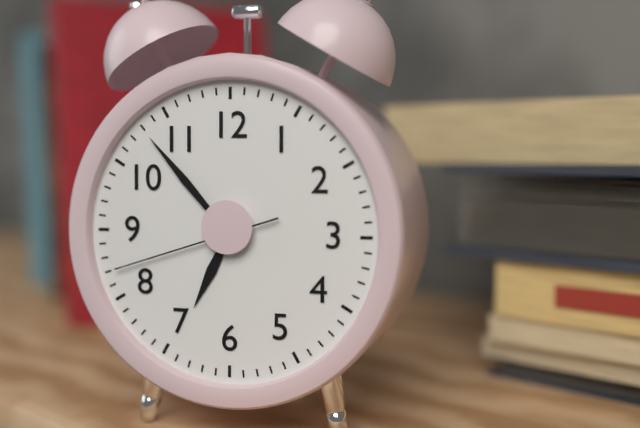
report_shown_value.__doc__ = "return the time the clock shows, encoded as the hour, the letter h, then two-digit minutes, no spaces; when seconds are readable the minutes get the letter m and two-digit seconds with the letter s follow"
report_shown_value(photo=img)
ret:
6h53m42s
